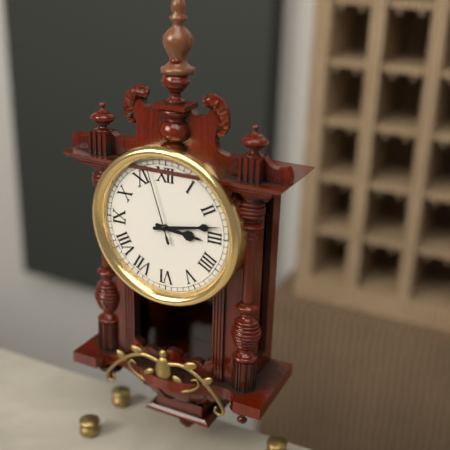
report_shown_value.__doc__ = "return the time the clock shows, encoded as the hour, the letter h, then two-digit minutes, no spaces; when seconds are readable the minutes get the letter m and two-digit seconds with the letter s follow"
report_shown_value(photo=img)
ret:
3h13m57s
